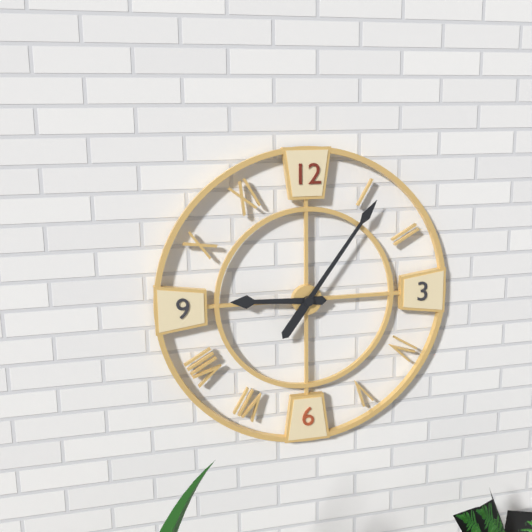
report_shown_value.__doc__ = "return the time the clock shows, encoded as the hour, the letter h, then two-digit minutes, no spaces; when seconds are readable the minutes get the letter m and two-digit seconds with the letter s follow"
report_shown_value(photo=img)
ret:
9h06
